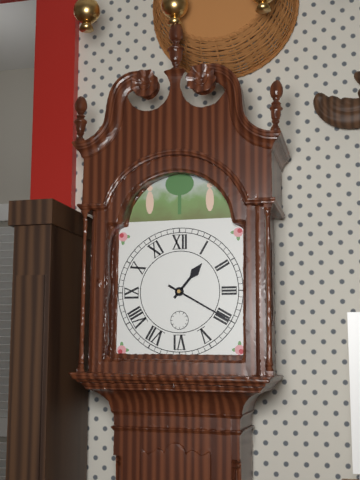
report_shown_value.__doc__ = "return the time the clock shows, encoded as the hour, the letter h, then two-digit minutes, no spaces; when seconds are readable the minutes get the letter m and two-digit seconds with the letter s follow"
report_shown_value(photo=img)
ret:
1h20
